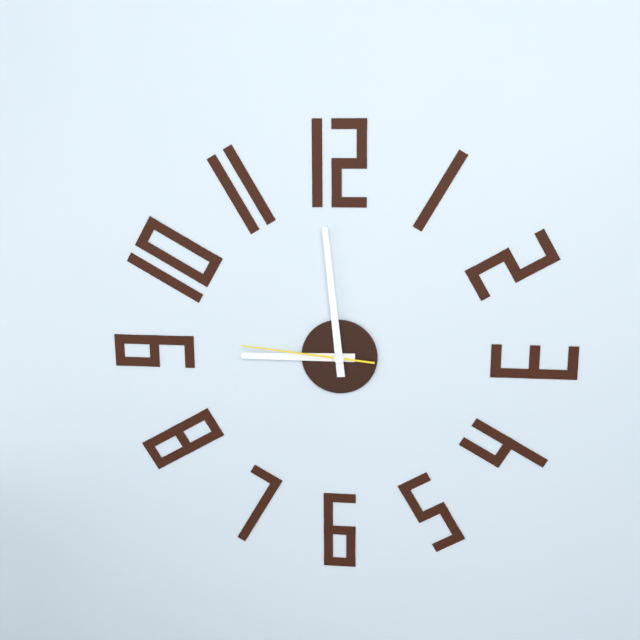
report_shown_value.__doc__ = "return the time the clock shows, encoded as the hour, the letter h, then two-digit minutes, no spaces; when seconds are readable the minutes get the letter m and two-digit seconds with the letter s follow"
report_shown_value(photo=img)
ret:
8h59m46s
